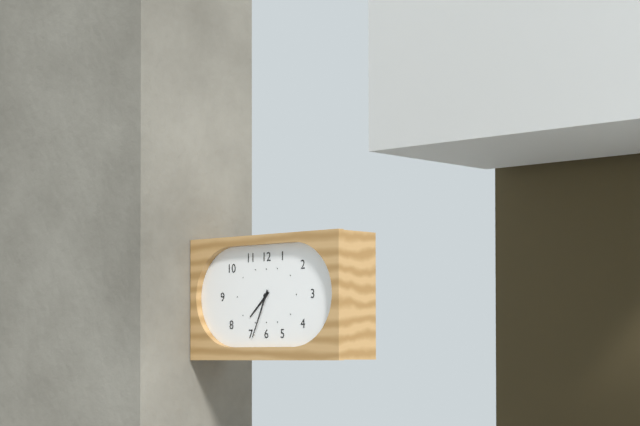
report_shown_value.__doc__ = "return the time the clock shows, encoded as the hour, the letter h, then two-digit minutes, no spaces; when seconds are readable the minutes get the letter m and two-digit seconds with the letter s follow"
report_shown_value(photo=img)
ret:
7h34
